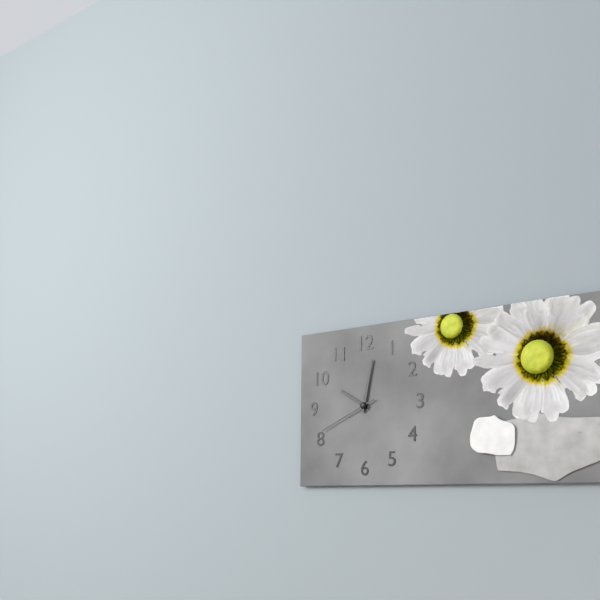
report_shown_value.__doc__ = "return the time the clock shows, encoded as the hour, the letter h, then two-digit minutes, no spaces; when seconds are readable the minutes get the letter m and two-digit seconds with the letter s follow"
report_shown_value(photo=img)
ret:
10h02m41s
